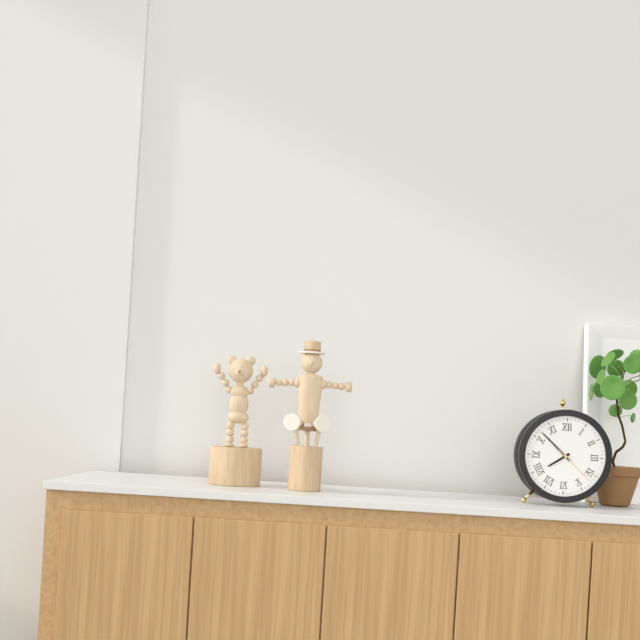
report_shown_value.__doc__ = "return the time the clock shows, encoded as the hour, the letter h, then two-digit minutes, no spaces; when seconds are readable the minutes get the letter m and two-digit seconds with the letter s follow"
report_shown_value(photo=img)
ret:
7h52
